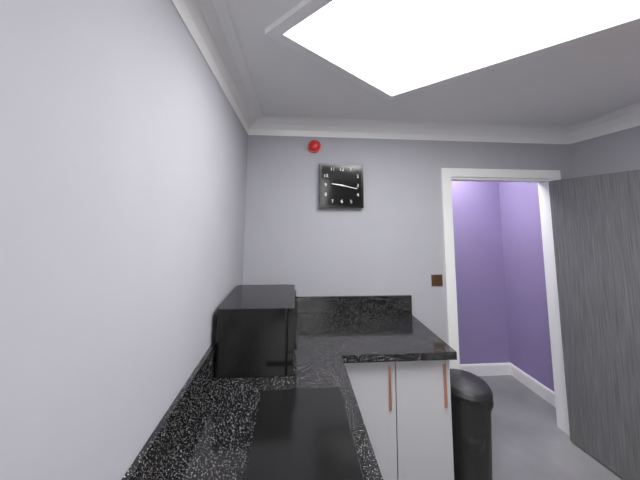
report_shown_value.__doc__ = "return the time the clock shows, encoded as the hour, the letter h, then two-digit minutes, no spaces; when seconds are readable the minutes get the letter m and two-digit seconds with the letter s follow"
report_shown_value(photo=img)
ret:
9h17
